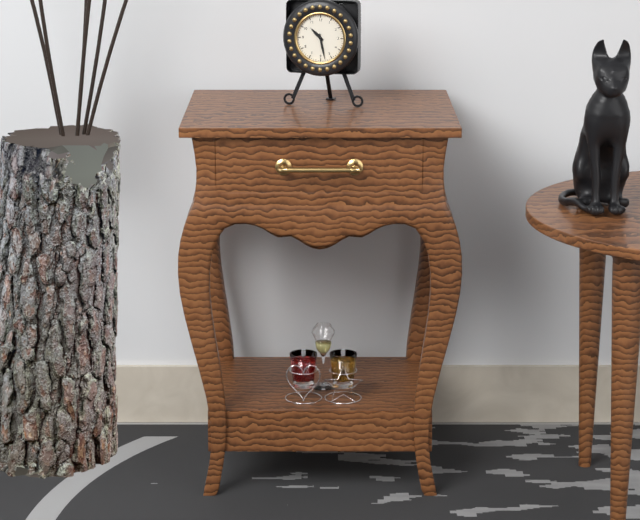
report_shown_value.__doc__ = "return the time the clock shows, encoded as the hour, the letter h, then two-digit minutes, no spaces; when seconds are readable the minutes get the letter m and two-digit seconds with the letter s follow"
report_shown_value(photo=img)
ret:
10h28
